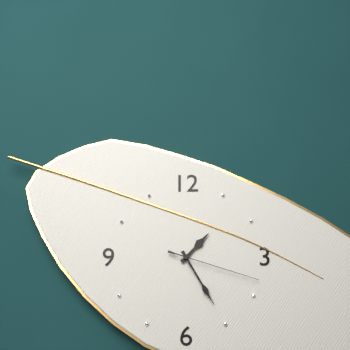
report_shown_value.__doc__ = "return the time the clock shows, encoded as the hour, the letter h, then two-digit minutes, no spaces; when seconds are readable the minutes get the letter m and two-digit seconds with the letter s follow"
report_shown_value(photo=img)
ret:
1h25m18s
